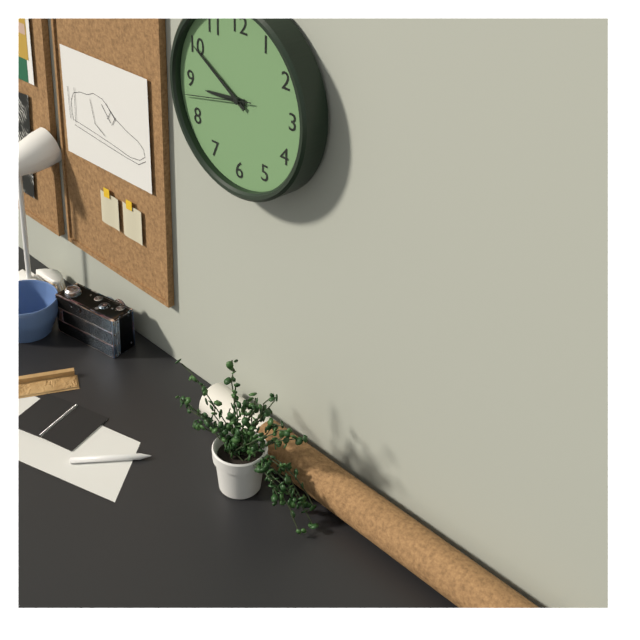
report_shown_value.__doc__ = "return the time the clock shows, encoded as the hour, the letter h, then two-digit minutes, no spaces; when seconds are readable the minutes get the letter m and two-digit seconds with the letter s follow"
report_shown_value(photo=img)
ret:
8h50m43s
